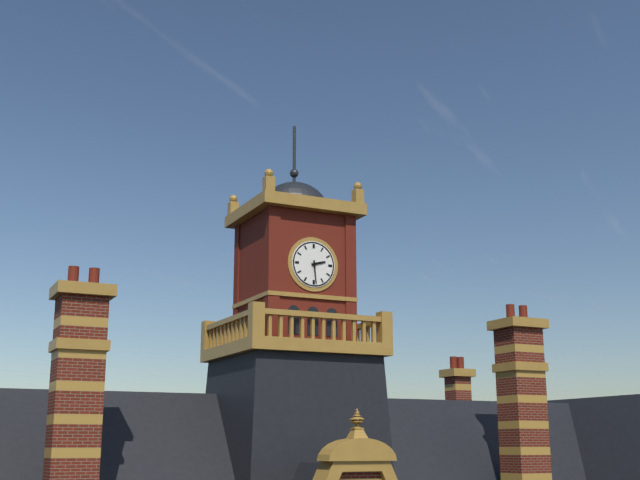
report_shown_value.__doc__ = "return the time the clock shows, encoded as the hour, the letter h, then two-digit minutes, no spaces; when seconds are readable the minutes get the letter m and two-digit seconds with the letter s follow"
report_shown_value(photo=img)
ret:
2h29
